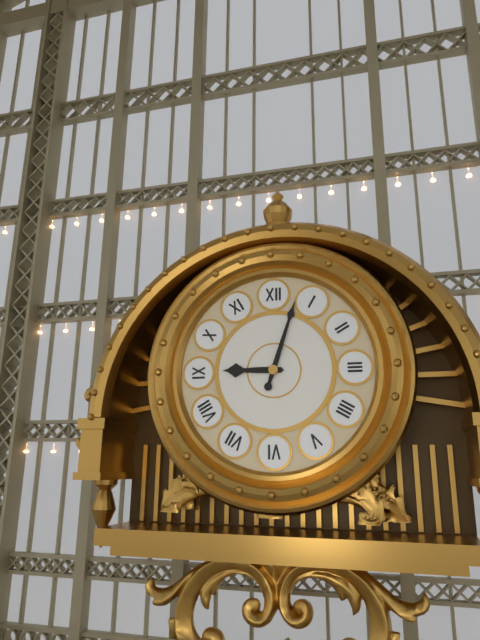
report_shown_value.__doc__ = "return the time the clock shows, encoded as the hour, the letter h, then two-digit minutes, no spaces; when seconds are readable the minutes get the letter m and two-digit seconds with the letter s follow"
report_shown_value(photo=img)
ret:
9h03
